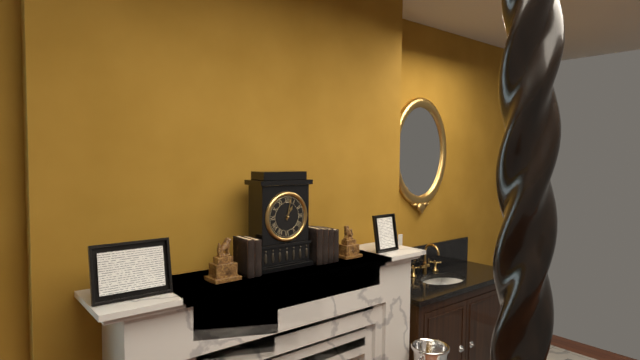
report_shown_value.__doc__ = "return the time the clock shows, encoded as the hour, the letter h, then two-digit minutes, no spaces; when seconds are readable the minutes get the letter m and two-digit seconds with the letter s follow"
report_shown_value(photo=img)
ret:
1h02
